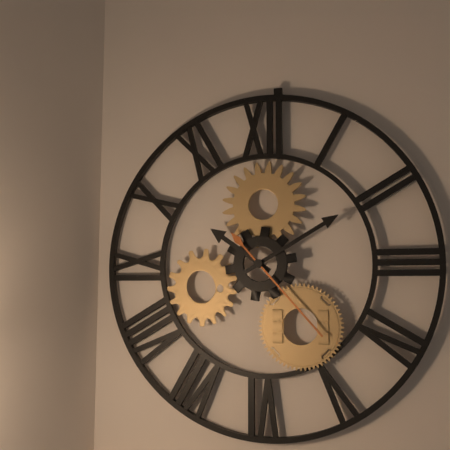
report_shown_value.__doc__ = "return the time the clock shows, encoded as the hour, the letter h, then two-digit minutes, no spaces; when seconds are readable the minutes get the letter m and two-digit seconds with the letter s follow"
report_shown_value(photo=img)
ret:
10h10m23s
